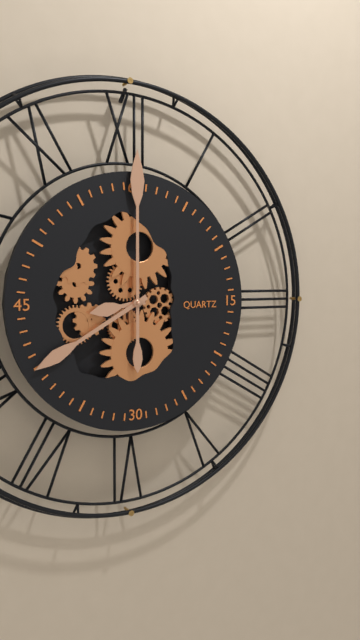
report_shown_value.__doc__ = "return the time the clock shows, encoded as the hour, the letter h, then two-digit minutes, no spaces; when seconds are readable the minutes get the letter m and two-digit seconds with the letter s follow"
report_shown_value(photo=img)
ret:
8h40m00s
